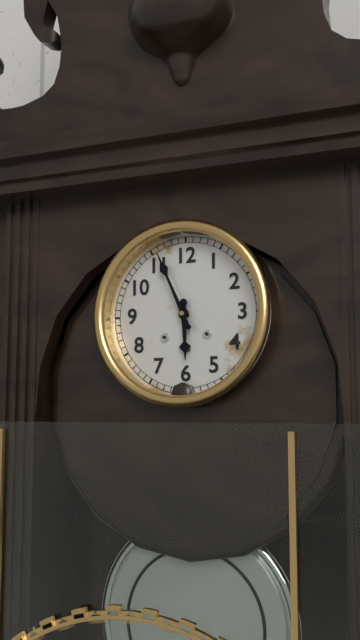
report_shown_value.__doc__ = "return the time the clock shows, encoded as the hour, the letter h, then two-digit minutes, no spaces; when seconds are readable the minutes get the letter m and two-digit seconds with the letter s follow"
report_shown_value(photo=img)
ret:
5h56
